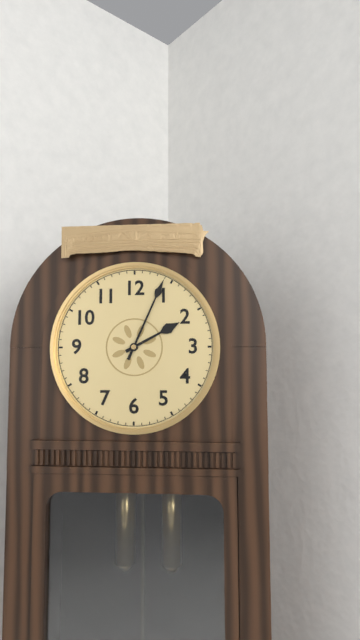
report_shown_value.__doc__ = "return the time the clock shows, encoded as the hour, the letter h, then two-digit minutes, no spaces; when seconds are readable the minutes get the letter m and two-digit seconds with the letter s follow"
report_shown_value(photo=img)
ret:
2h04
